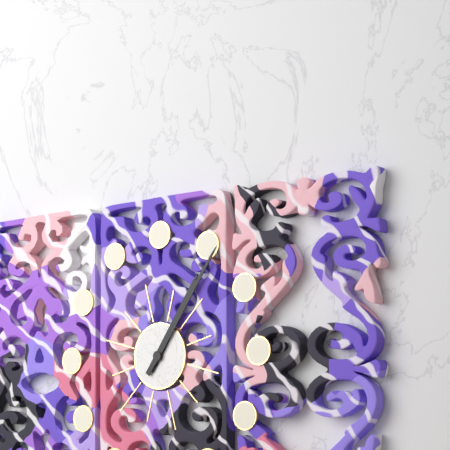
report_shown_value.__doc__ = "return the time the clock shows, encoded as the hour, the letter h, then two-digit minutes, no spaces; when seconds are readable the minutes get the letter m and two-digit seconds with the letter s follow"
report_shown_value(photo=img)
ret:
1h06
